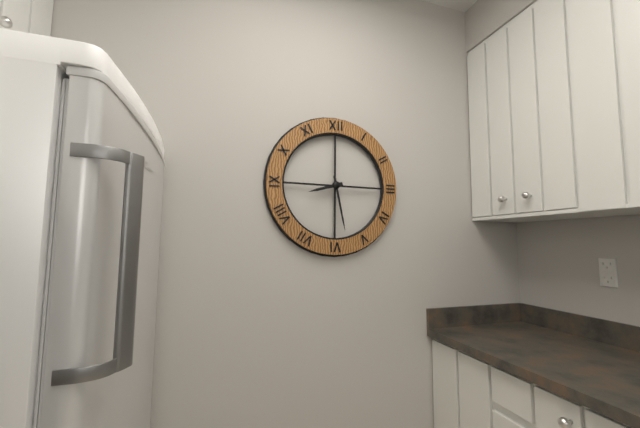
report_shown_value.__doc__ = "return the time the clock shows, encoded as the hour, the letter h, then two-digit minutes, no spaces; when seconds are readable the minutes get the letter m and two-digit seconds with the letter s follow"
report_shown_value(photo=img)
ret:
8h28
